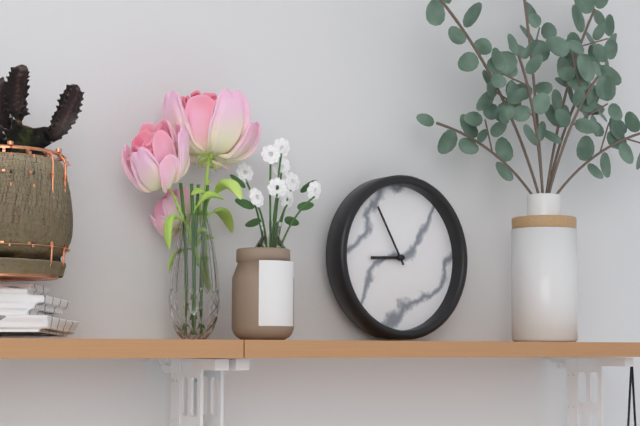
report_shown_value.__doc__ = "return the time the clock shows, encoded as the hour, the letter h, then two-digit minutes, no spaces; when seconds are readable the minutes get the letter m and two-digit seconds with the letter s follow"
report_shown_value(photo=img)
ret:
8h55
